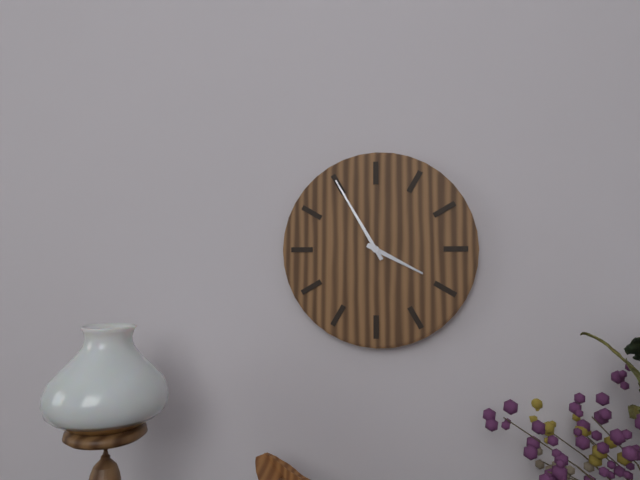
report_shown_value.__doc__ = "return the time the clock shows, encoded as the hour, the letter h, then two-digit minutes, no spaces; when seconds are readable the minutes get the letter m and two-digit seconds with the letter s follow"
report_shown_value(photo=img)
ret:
3h55
